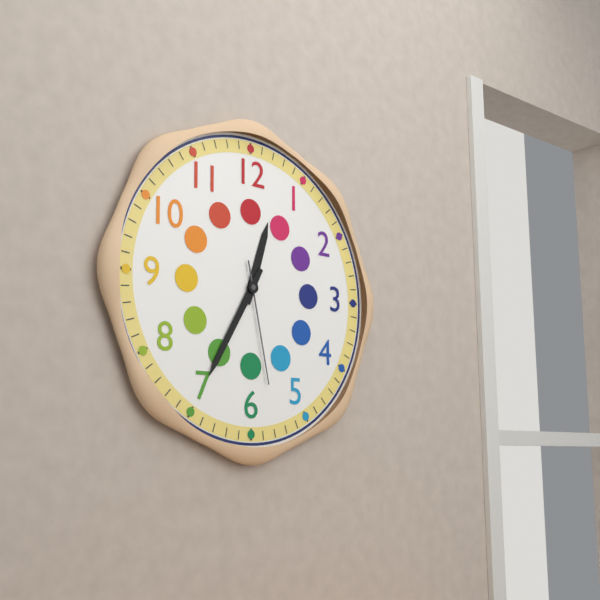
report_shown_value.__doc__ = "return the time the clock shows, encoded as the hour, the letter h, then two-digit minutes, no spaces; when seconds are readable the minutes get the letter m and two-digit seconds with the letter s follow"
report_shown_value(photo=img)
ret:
12h35m28s
